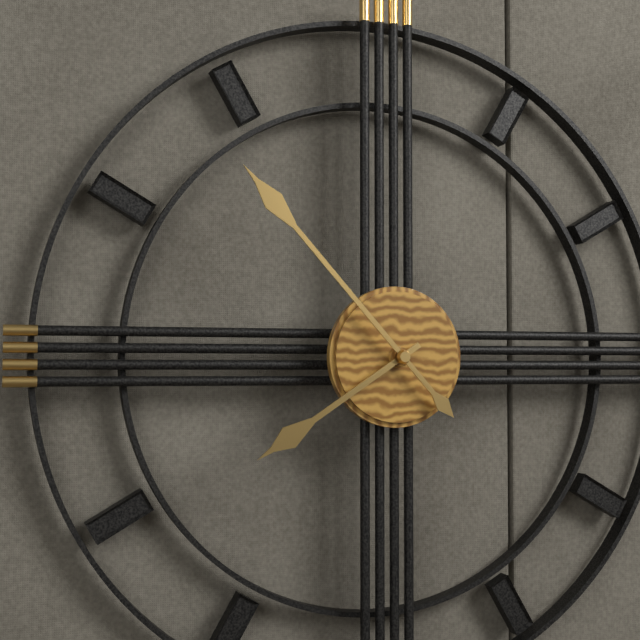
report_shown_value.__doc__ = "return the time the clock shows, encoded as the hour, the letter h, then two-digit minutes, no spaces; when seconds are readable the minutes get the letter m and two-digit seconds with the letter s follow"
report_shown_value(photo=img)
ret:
7h53
